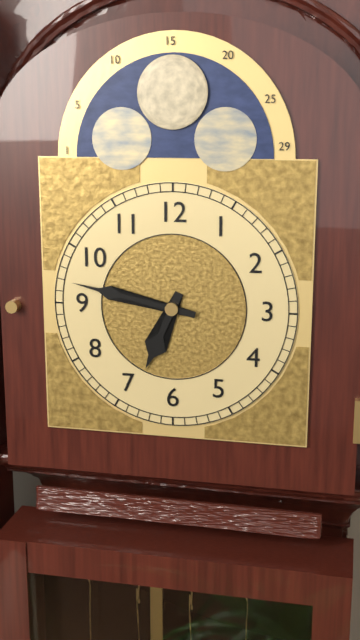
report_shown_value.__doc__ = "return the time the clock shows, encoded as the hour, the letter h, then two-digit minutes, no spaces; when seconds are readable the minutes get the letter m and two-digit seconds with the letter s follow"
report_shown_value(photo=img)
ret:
6h47
